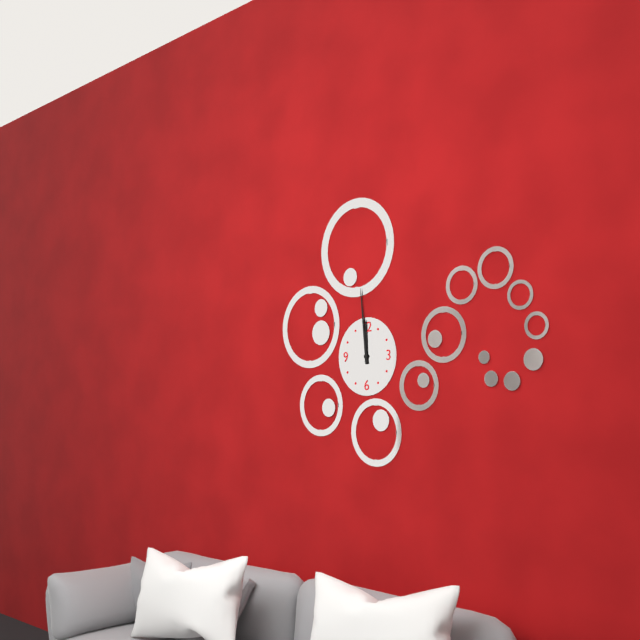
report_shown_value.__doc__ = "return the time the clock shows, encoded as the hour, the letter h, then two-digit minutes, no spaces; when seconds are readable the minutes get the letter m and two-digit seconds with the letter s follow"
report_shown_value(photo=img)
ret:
11h59
